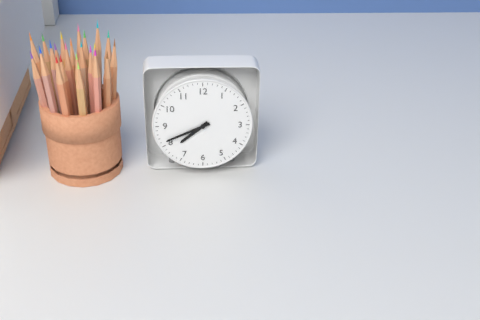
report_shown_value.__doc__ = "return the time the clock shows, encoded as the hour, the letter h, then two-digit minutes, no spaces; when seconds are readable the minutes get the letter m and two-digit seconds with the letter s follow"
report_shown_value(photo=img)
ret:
7h41
